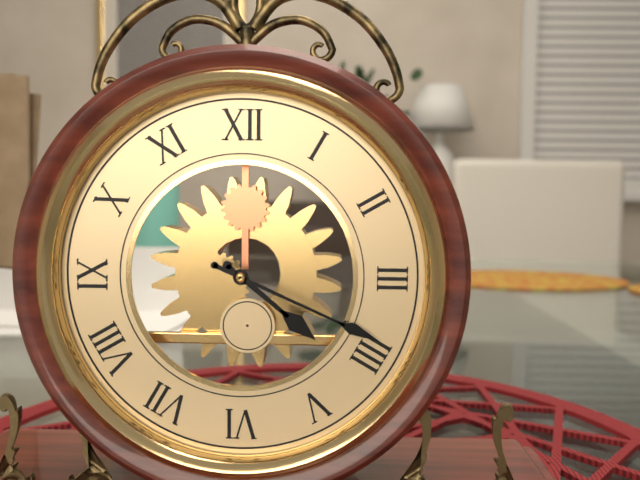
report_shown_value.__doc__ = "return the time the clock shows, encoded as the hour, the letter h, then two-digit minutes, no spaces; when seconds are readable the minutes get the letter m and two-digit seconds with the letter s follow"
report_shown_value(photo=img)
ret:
4h19
